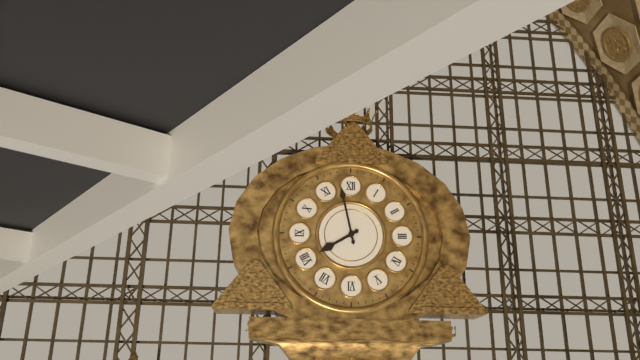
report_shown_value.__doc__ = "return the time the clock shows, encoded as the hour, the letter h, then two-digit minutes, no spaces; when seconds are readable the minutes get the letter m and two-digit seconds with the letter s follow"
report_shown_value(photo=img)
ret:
7h58
